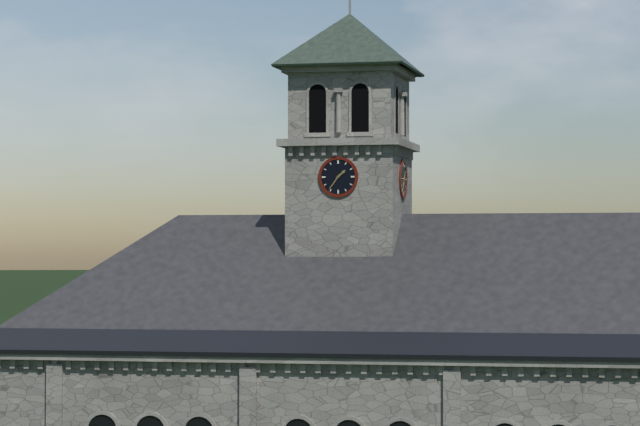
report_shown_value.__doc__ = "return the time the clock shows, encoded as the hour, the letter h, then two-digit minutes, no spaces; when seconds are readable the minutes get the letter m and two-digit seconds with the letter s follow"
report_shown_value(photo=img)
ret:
1h36
